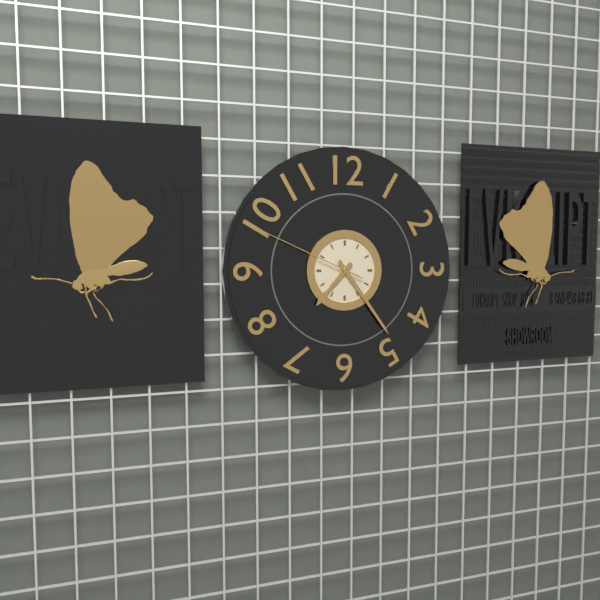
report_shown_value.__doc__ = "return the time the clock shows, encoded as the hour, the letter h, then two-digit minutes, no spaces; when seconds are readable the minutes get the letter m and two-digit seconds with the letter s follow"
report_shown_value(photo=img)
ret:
7h24m49s
